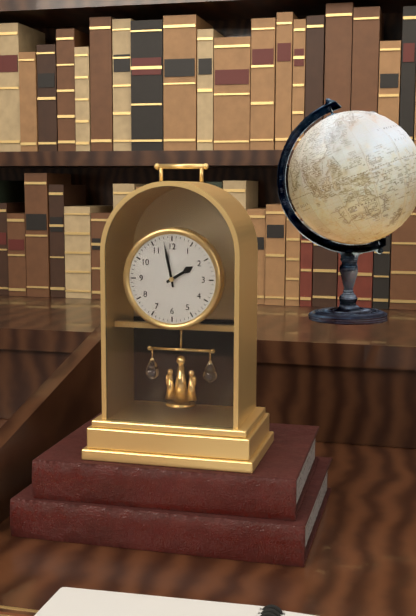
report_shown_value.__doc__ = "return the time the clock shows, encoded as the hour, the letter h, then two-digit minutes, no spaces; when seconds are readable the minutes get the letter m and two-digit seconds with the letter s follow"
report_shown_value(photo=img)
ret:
1h58
